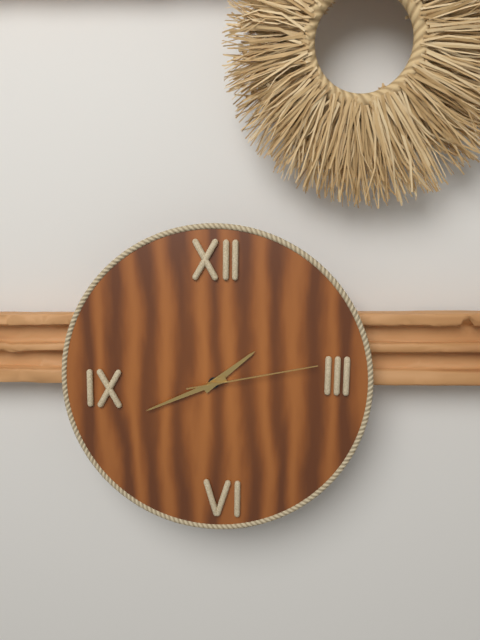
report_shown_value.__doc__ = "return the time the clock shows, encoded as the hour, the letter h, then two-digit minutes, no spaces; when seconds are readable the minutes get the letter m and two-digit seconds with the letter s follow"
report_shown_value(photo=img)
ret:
1h41m13s
